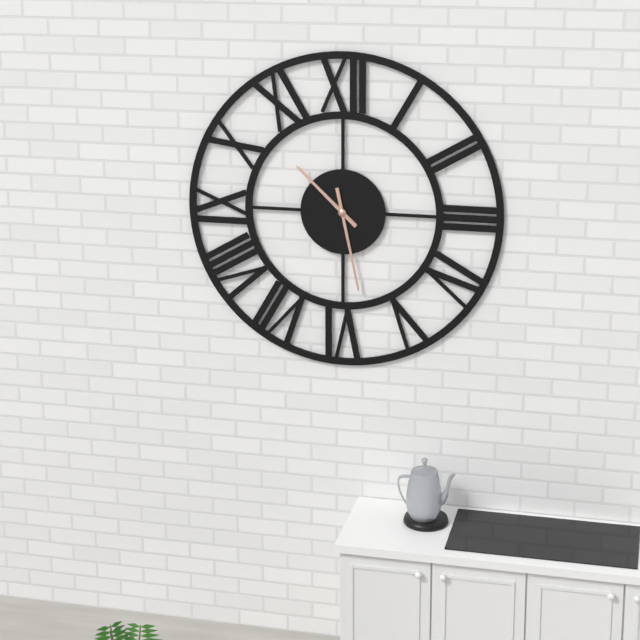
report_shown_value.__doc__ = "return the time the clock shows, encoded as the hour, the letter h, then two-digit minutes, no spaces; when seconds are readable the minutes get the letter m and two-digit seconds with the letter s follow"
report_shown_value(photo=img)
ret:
10h28
